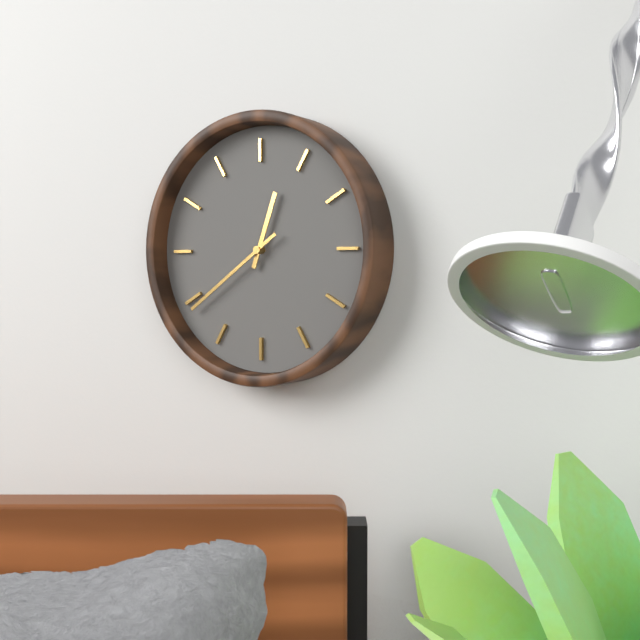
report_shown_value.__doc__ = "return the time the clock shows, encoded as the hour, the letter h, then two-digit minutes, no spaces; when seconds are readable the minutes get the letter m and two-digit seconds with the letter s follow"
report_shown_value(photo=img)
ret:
12h39
